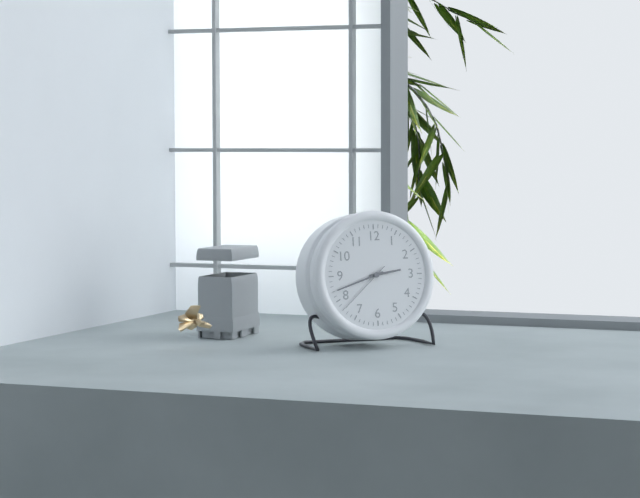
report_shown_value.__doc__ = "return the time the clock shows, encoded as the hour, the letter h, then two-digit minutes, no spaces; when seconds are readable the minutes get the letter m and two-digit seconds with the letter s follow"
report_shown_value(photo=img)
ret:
2h42m38s
